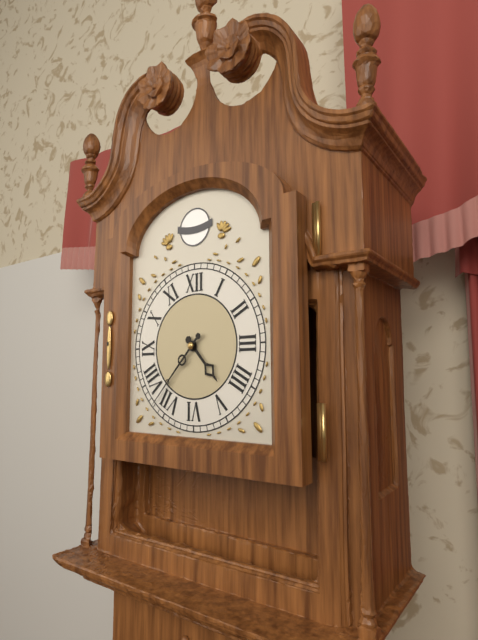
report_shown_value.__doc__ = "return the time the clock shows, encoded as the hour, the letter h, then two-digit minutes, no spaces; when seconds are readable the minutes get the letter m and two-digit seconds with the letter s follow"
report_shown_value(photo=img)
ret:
4h37
